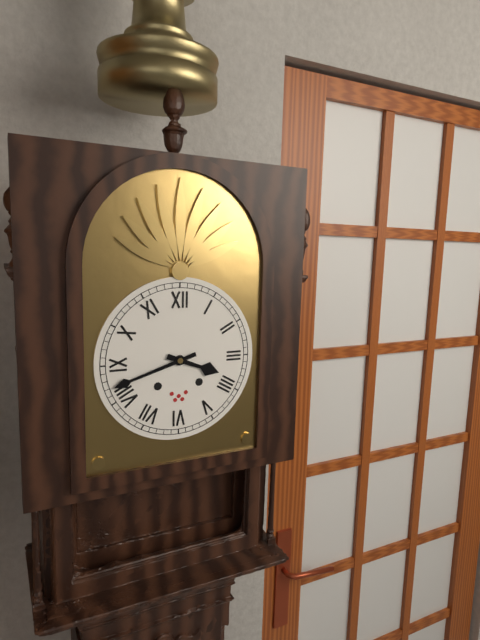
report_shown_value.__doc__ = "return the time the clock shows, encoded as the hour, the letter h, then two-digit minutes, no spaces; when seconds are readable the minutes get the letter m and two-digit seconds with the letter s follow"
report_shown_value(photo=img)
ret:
3h42
